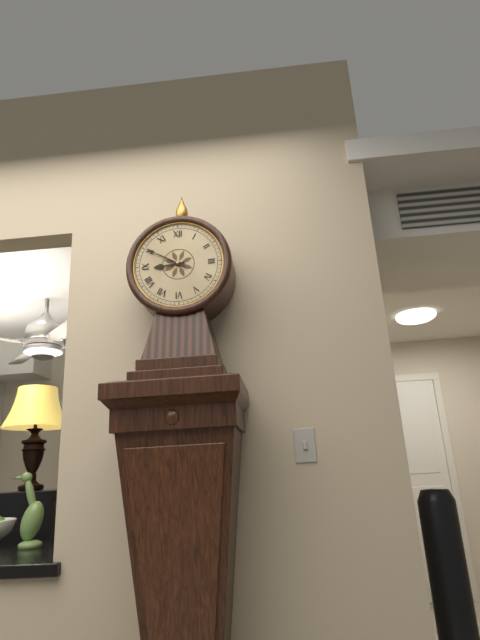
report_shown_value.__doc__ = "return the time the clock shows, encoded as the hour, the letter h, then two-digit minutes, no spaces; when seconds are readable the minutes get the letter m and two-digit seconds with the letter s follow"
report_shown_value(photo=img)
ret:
8h50
